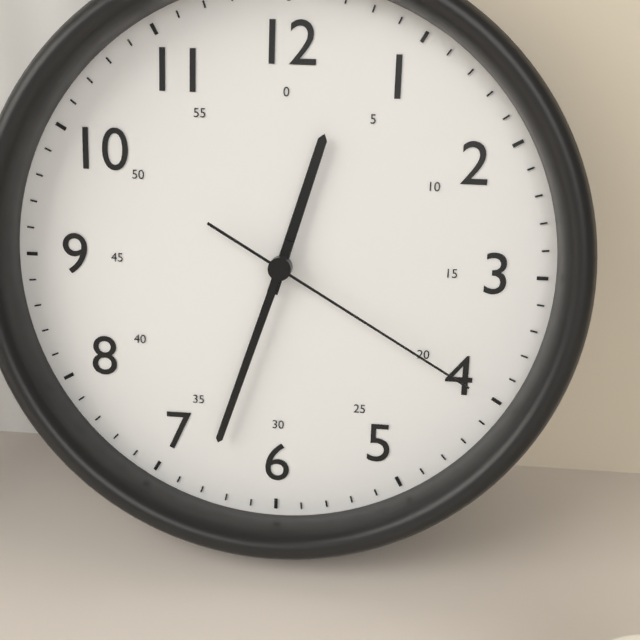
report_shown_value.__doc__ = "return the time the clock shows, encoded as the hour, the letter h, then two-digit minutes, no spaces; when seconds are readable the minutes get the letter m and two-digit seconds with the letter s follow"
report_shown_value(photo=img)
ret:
12h33m20s
